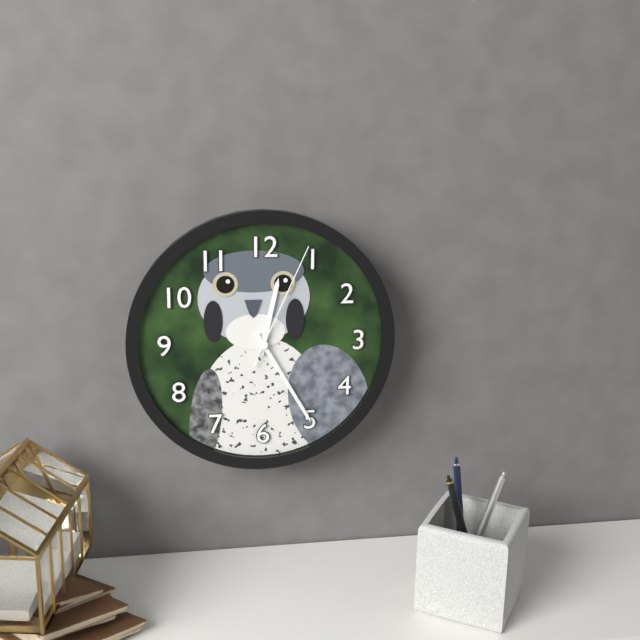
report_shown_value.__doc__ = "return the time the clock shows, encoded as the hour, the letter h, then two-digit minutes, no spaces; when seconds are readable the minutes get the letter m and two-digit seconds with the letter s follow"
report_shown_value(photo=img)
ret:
12h25m04s
